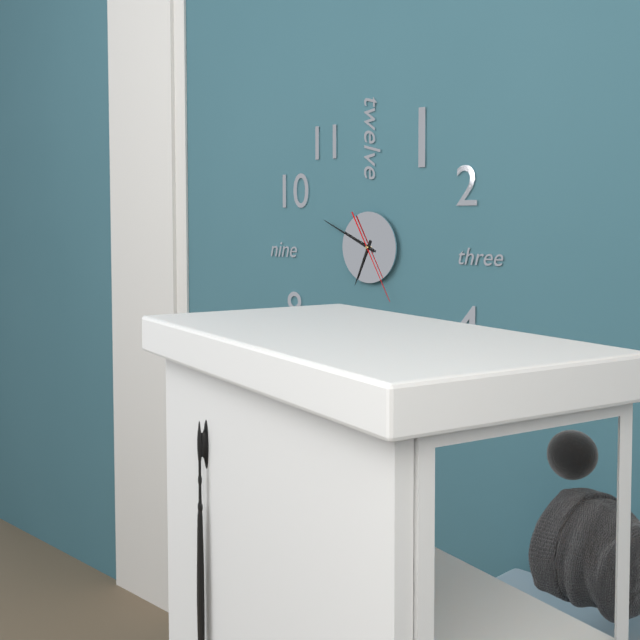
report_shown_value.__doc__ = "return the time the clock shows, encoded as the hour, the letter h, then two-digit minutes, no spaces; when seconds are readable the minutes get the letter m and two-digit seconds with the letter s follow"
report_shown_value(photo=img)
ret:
6h49m25s
